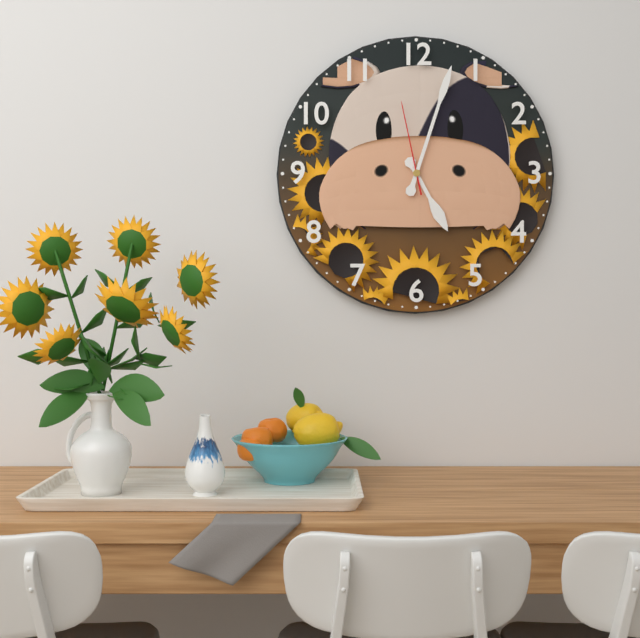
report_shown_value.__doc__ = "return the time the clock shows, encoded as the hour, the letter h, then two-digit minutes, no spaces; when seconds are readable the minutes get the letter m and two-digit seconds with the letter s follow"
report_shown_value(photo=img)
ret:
5h03m58s
